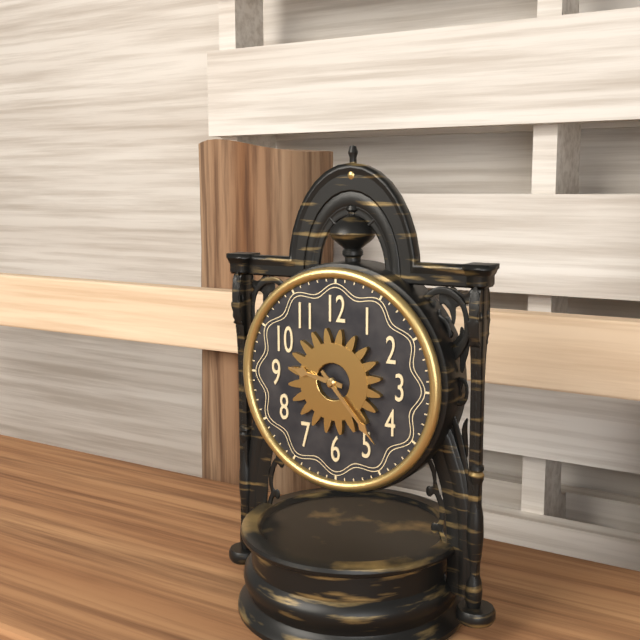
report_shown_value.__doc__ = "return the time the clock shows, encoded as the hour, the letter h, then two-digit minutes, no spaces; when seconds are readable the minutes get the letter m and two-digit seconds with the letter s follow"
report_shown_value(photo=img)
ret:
9h23
